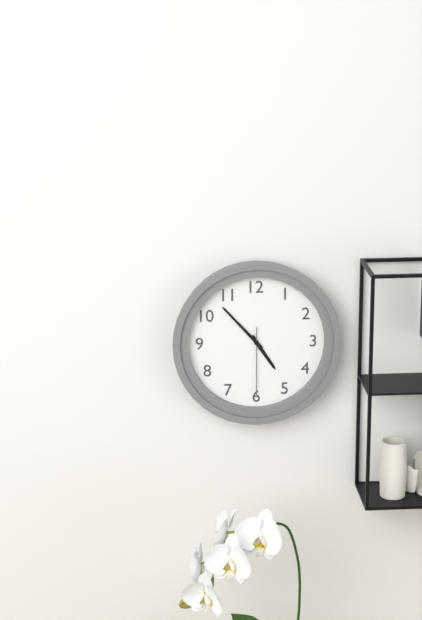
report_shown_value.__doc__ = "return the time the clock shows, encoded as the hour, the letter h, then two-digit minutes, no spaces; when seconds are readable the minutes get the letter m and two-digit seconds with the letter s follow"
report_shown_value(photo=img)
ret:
4h53m30s
